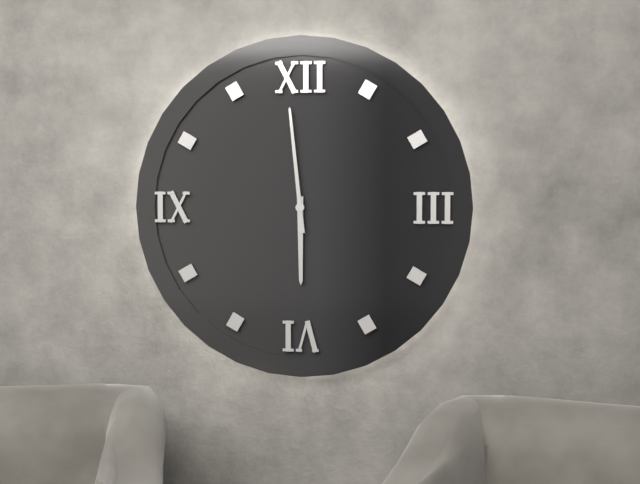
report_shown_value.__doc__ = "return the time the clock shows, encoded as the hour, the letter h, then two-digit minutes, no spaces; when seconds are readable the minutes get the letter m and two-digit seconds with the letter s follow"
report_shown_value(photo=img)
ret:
5h59
